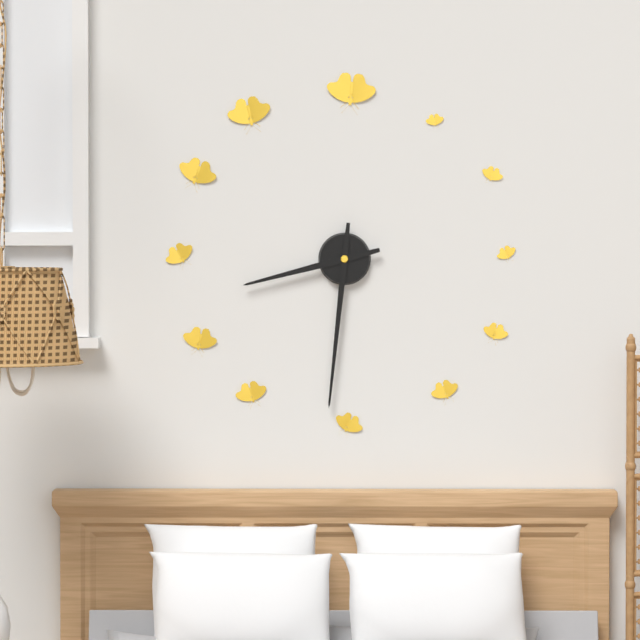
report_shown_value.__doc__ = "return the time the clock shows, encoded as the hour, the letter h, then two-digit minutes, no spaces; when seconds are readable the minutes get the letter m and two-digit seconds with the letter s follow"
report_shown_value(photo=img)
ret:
8h31
